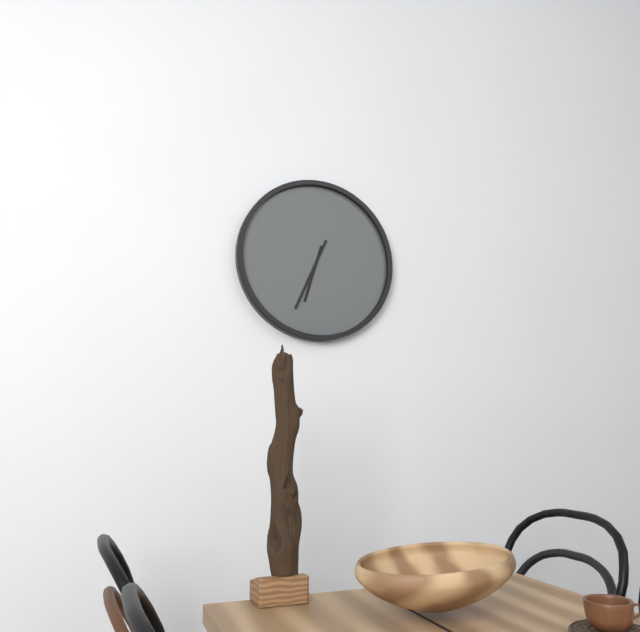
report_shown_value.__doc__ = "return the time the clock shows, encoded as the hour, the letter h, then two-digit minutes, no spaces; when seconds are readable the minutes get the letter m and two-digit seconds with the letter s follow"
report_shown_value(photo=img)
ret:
6h34
